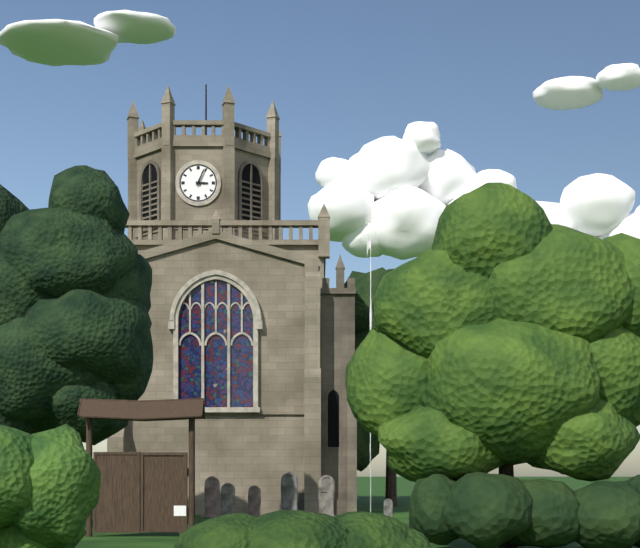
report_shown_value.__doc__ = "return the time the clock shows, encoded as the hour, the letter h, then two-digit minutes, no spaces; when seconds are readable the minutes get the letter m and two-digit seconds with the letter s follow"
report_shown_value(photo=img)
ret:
3h04
